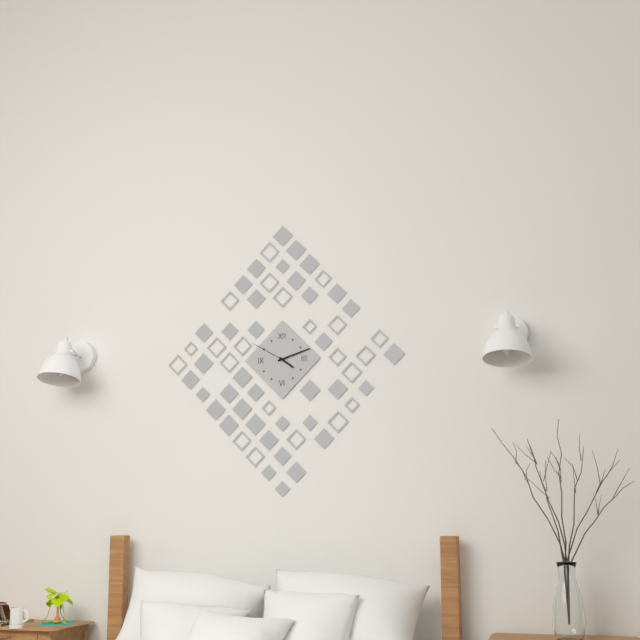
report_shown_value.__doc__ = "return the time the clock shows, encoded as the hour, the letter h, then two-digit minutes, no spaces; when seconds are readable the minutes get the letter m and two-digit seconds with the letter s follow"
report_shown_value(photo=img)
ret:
4h12
